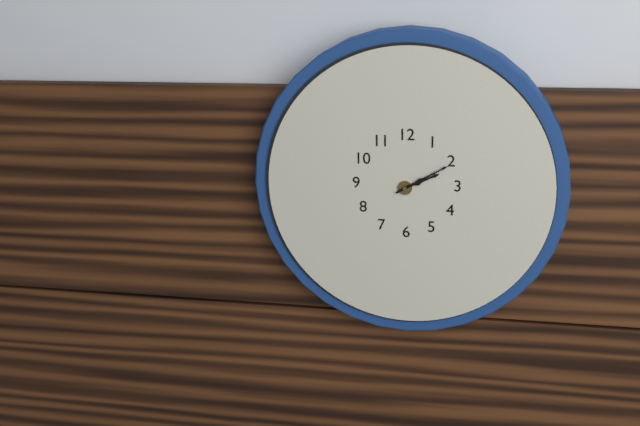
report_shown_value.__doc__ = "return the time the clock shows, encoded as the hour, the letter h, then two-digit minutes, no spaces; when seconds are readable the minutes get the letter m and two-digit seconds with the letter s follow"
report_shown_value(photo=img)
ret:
2h10
